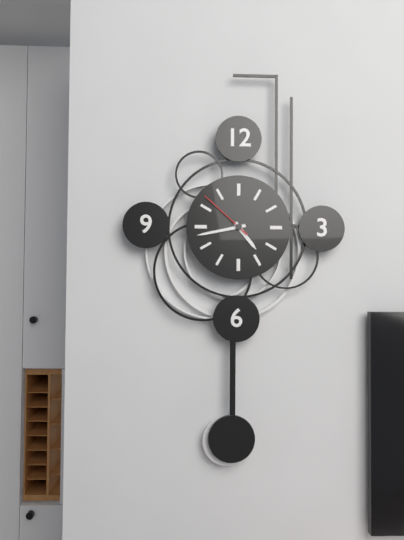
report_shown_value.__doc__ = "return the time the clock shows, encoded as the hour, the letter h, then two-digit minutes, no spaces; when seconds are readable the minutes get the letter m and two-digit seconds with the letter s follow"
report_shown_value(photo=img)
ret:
4h43m52s
